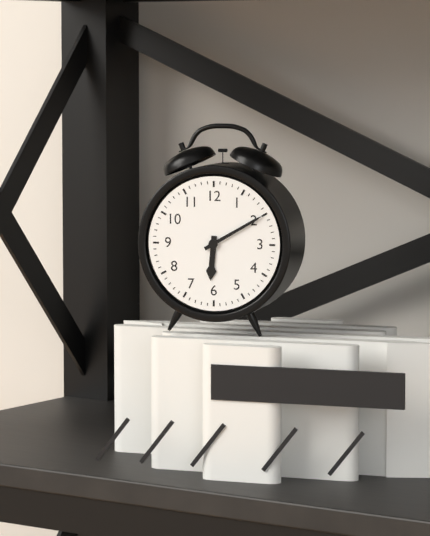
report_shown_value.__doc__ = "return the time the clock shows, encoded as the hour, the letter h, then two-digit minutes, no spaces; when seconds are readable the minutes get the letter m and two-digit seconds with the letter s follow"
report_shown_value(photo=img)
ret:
6h10
